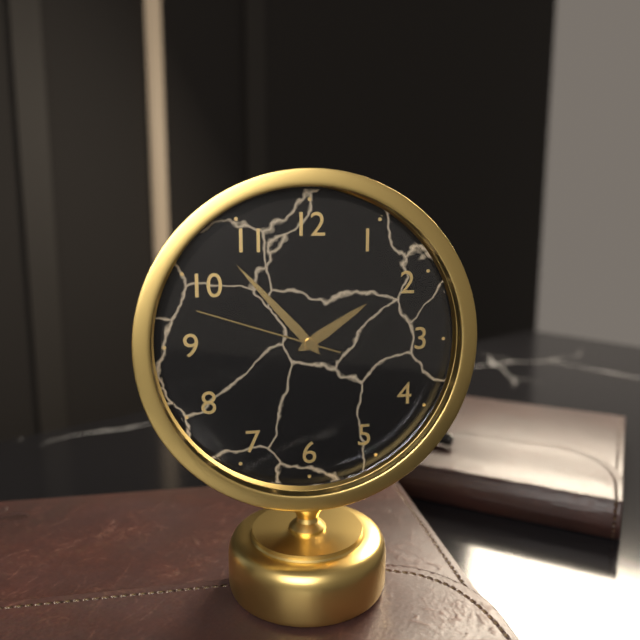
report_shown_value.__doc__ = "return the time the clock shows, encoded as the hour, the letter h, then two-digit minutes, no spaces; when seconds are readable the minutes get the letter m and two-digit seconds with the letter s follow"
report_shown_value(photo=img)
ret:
1h53m48s
